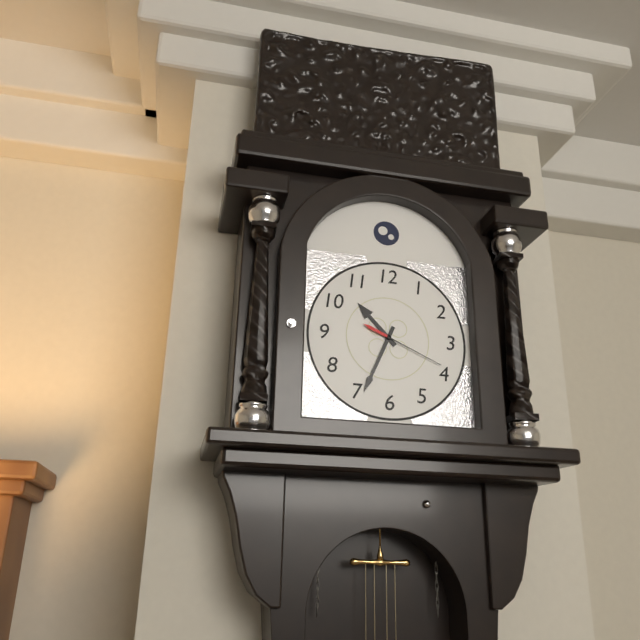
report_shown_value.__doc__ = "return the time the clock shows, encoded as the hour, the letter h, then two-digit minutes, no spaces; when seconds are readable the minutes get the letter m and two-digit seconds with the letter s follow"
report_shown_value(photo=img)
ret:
10h34m19s
